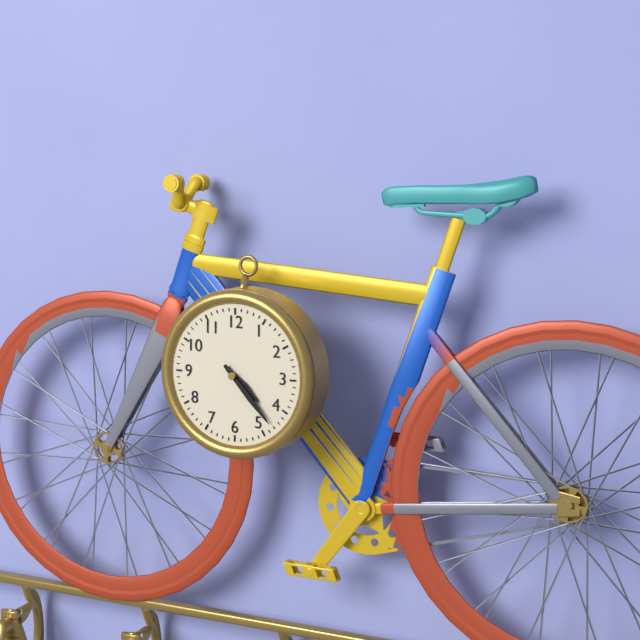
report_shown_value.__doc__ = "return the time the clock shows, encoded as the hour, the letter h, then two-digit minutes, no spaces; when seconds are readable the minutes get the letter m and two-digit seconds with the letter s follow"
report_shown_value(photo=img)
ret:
4h23
